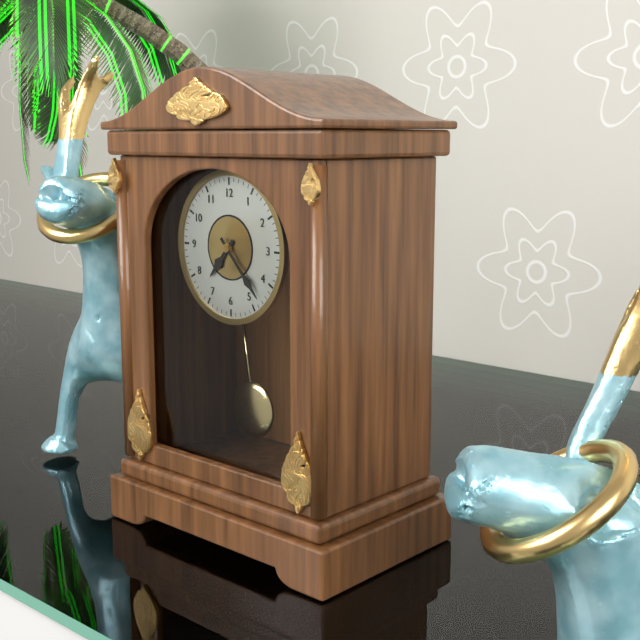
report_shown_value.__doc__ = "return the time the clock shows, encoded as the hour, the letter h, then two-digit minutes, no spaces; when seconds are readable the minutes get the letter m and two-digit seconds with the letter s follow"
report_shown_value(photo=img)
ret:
7h23
